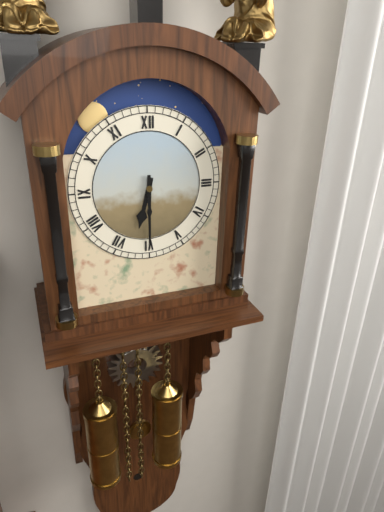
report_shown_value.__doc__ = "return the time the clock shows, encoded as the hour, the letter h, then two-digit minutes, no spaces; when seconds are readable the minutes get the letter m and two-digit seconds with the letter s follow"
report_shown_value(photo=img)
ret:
6h30
